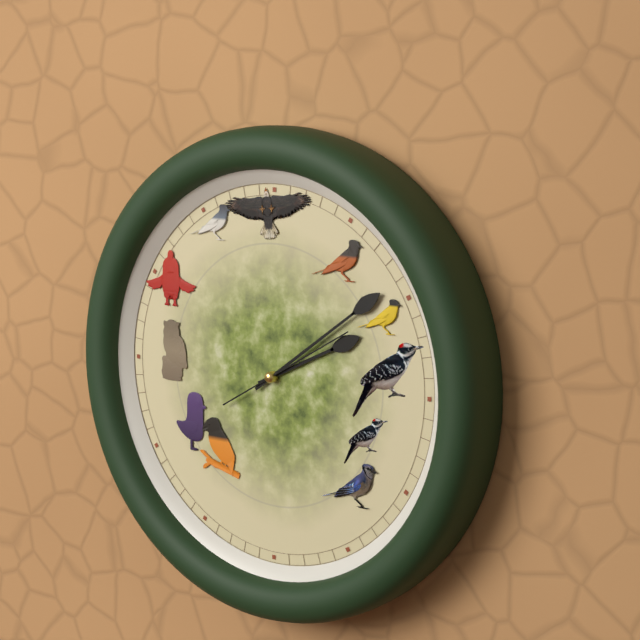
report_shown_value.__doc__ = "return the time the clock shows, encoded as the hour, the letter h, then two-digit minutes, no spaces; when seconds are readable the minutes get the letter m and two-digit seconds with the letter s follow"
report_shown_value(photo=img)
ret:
2h09m10s
